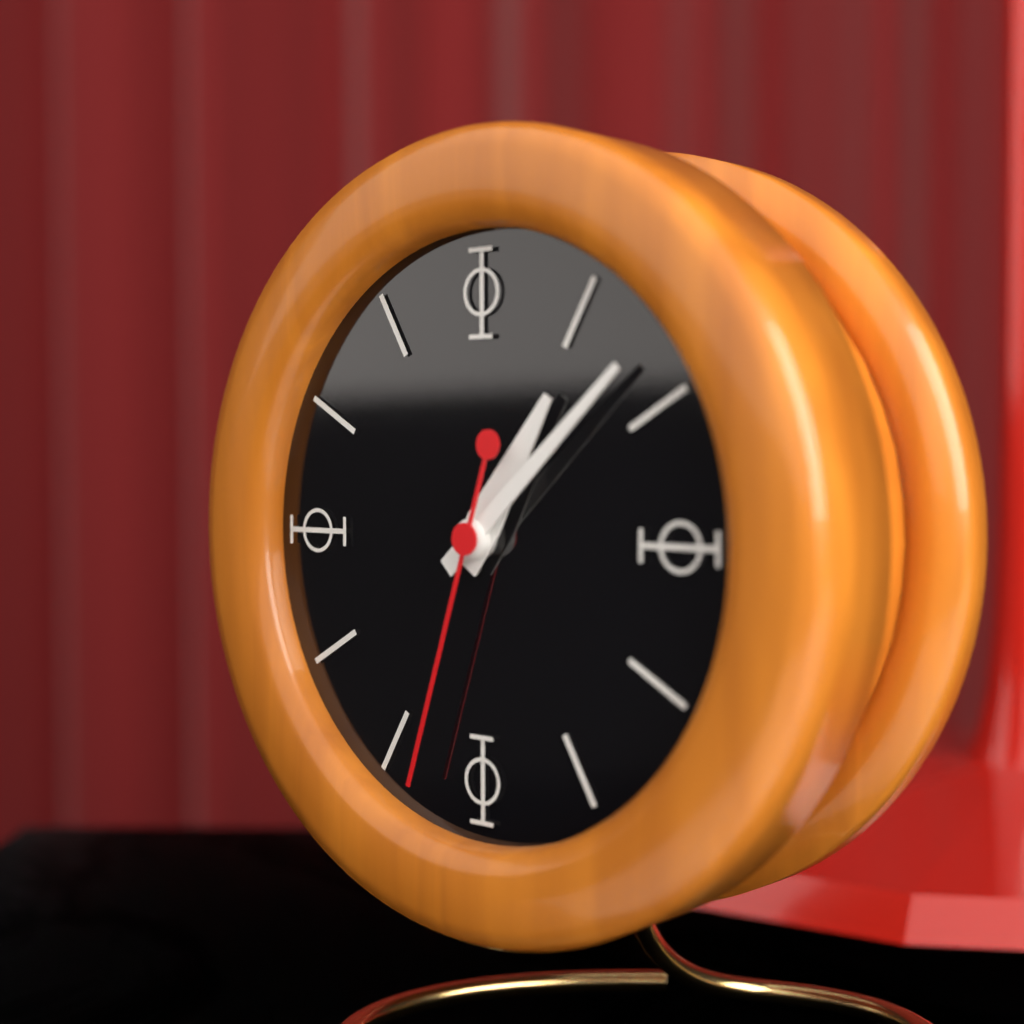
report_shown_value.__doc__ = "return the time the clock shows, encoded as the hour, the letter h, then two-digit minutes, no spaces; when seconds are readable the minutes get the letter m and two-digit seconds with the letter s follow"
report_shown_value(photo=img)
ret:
1h08m33s
